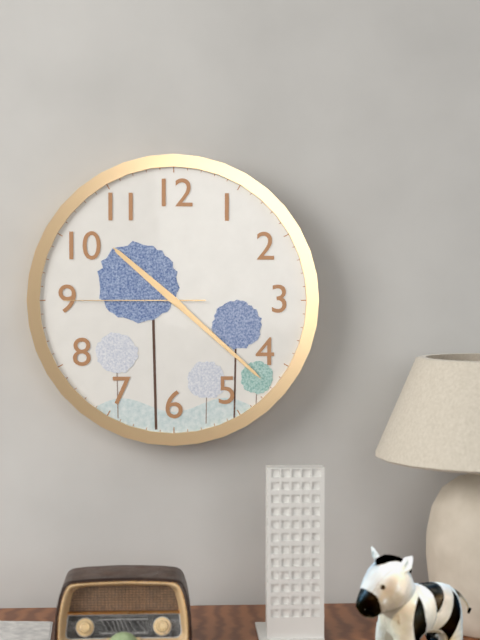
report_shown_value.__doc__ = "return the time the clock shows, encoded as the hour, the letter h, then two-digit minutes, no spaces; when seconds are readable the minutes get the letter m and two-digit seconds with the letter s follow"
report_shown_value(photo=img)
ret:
10h22m45s
